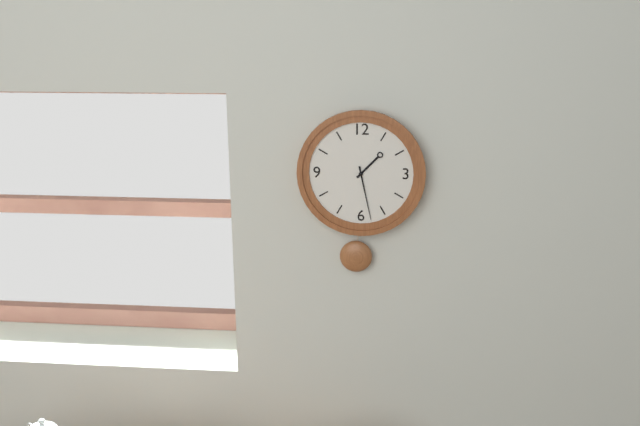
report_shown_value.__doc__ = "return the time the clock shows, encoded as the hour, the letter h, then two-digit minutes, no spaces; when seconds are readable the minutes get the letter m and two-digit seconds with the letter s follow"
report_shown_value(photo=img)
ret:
1h28
